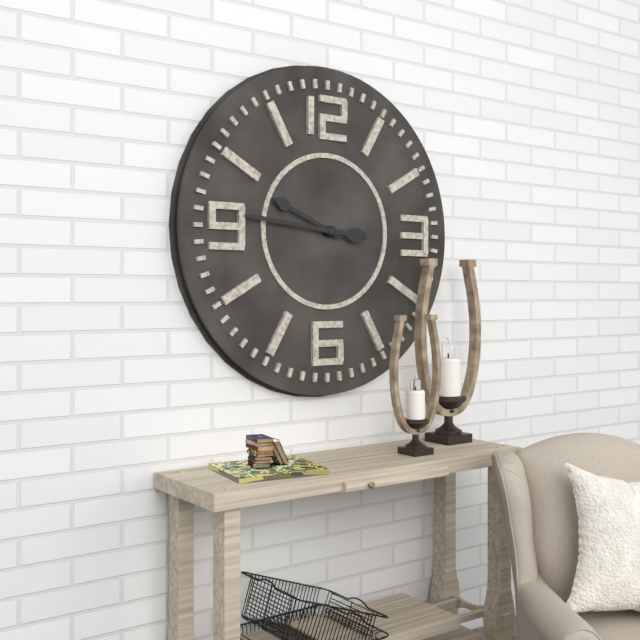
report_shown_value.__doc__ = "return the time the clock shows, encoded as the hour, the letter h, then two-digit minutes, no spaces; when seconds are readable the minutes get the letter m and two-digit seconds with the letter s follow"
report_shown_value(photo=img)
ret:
9h46
